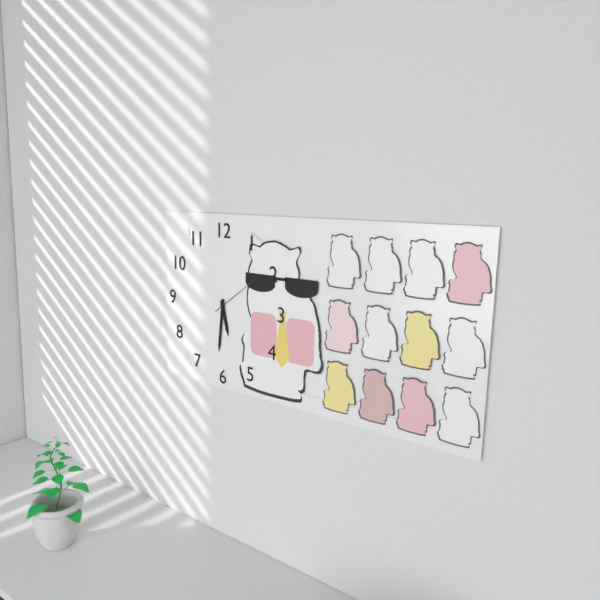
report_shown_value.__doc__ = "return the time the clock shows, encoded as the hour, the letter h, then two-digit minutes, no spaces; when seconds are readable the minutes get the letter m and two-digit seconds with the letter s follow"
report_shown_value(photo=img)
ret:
5h31m09s
